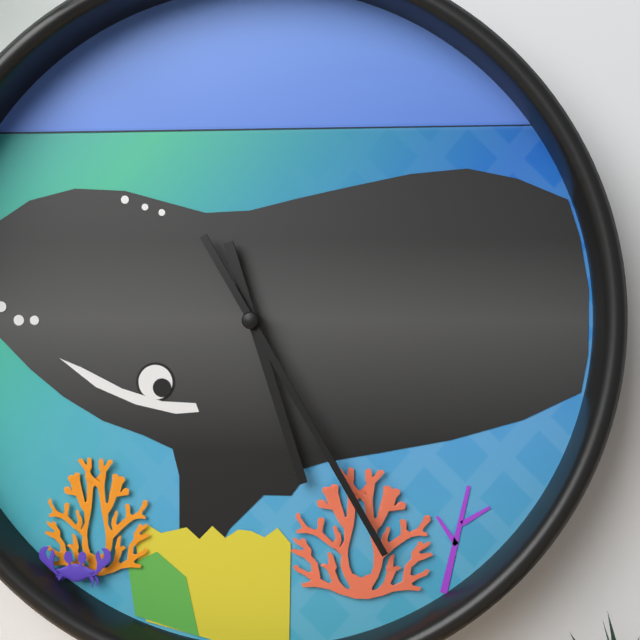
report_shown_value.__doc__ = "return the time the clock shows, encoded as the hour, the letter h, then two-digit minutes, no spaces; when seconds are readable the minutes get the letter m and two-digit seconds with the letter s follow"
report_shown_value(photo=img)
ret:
5h25
